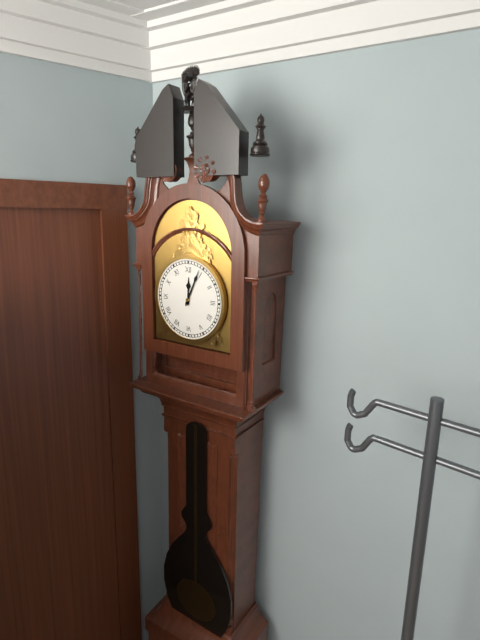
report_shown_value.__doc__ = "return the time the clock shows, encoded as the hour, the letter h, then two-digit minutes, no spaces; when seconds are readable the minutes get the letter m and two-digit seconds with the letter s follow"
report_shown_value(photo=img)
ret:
12h04
